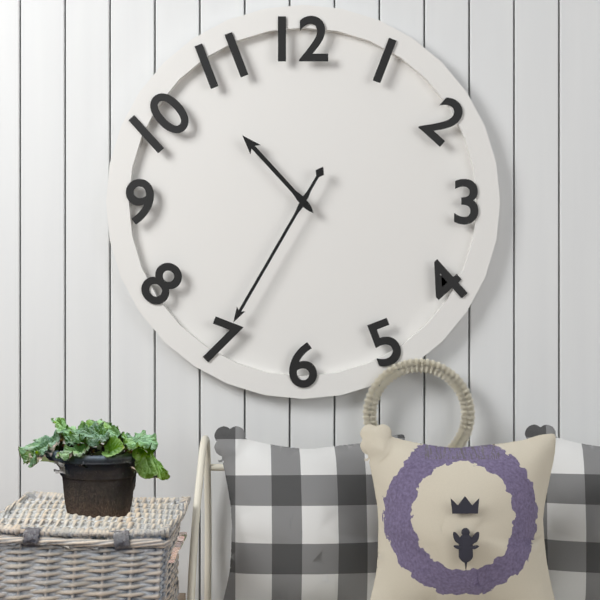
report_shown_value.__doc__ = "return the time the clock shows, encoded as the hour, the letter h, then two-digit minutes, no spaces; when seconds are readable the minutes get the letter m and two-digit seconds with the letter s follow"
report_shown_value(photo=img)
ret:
10h35
